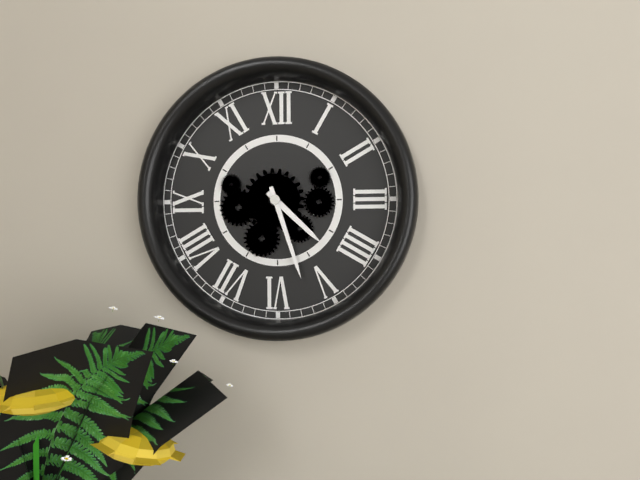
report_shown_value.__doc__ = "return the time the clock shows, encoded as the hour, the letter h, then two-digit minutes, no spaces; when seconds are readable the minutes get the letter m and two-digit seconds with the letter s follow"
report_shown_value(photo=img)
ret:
4h27
